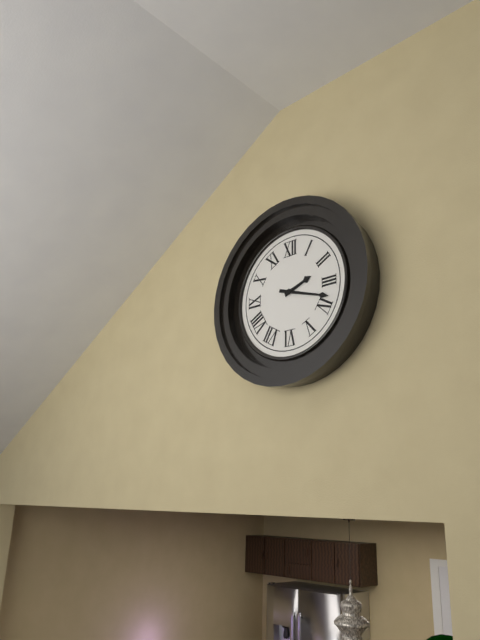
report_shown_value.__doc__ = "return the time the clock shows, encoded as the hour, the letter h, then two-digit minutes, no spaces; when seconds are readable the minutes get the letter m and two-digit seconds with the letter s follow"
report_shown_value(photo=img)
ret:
2h18
